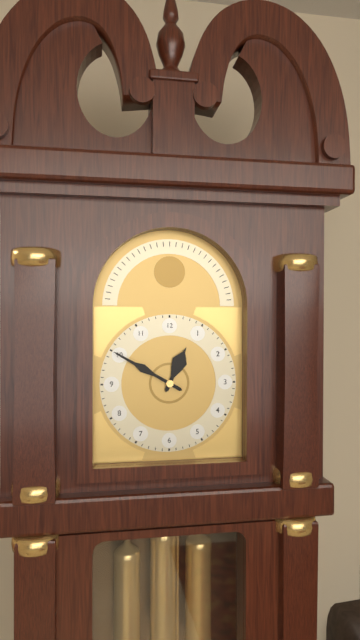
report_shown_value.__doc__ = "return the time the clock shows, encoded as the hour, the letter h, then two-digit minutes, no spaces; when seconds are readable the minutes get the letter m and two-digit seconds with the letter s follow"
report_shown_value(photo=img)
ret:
12h50
